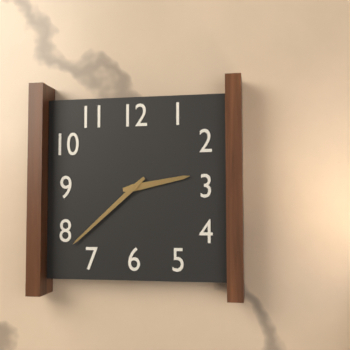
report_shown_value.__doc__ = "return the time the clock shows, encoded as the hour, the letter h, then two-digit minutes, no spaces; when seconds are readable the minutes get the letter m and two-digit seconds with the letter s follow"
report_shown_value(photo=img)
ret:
2h38
